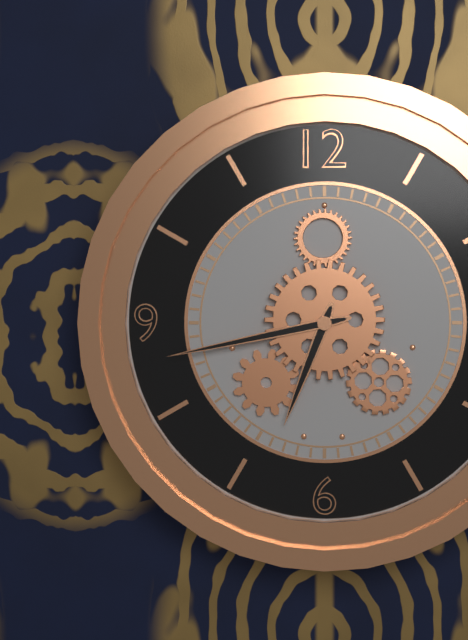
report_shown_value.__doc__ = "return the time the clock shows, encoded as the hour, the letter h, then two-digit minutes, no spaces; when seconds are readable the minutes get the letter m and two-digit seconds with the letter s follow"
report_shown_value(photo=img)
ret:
6h43
